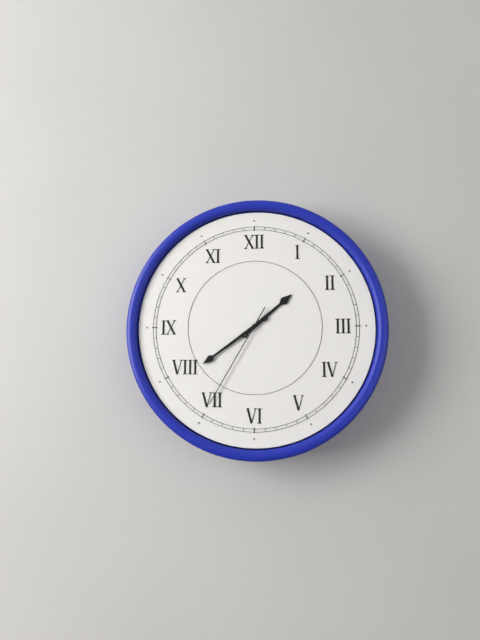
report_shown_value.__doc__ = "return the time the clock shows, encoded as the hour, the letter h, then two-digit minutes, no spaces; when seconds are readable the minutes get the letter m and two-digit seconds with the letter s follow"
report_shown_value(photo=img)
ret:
1h39m35s
